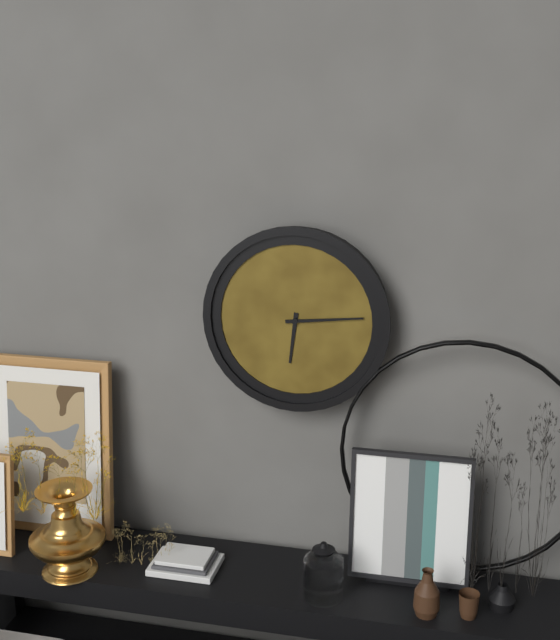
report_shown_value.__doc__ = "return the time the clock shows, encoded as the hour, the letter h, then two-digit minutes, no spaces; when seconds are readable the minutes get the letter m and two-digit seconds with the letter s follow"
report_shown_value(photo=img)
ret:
6h14
